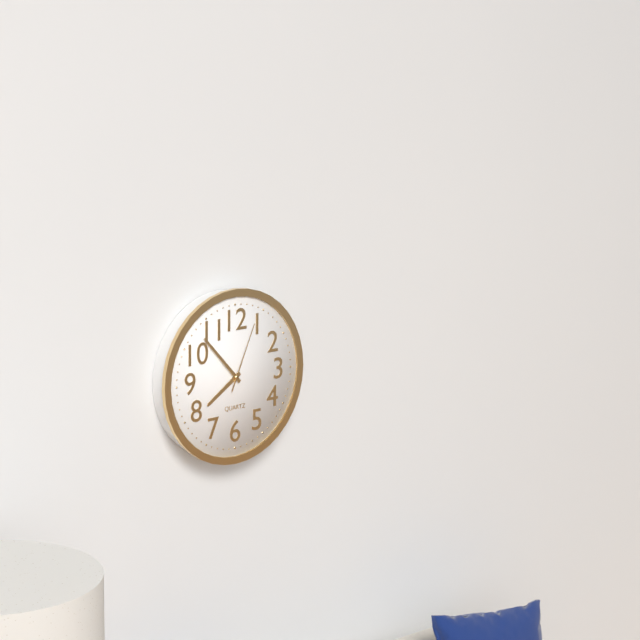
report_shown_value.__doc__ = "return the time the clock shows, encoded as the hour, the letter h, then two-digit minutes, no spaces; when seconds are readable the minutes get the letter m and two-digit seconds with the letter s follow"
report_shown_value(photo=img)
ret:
7h53m04s
